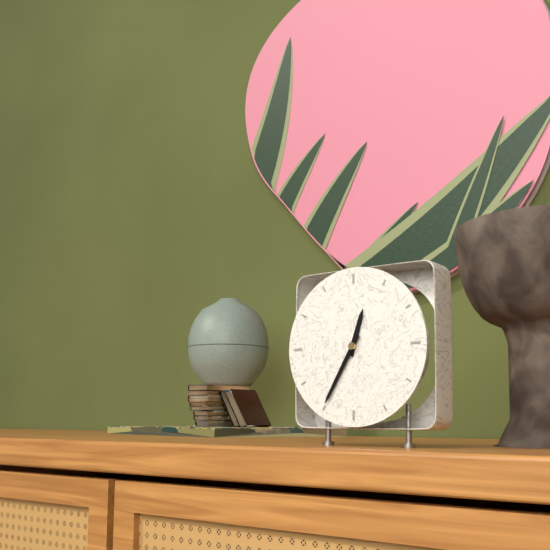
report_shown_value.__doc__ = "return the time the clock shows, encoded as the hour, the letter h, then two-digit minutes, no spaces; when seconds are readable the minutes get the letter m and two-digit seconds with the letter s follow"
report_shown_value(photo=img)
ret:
12h35
